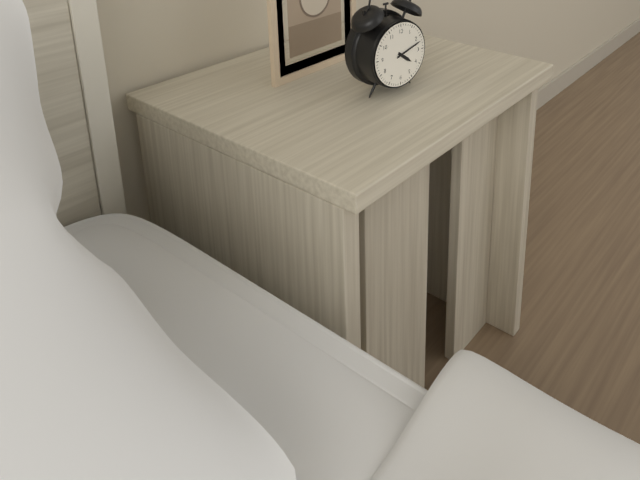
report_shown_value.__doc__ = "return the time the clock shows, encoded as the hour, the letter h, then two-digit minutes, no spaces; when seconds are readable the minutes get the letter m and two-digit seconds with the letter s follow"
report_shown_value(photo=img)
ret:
4h12
